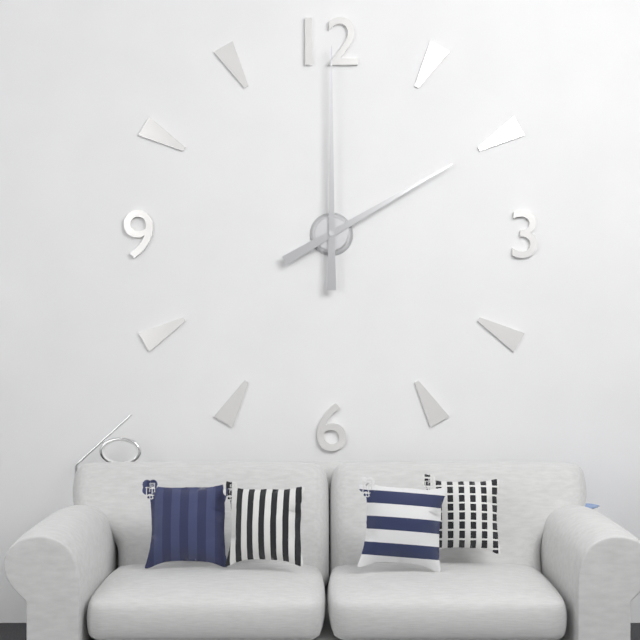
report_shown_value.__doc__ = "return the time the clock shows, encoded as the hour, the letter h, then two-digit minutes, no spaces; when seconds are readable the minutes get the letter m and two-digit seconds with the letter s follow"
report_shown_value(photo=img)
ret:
2h00
